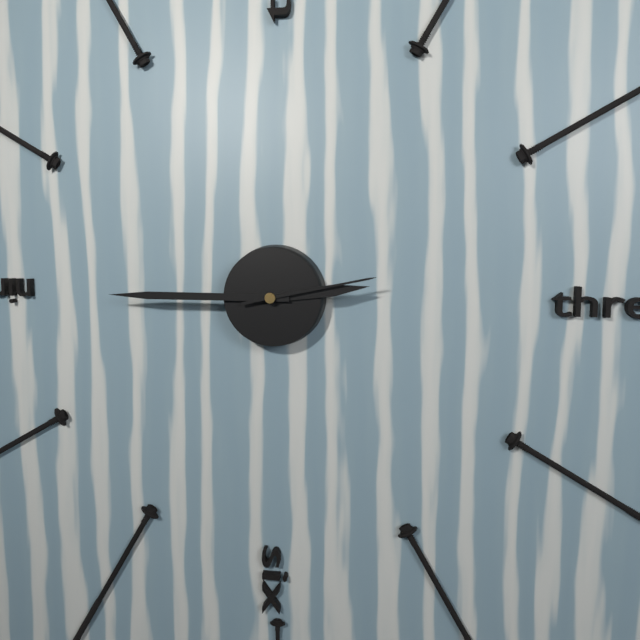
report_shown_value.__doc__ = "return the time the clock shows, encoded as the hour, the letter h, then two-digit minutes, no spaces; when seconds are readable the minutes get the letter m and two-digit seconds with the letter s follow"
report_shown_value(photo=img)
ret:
2h45m13s
